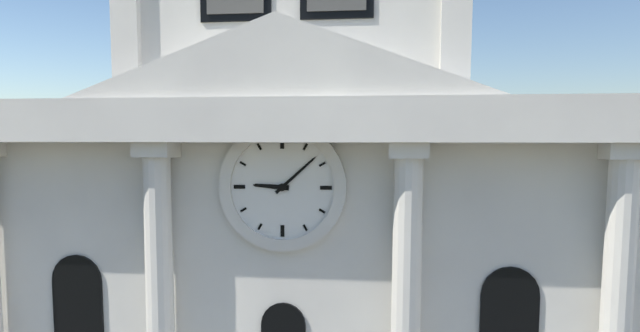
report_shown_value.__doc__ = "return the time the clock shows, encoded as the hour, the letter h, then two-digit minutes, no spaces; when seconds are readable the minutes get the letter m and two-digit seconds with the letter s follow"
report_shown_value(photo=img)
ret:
9h08
